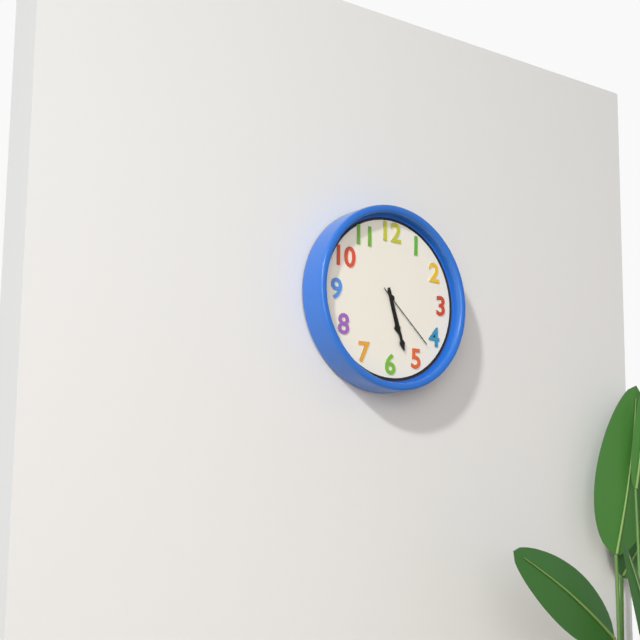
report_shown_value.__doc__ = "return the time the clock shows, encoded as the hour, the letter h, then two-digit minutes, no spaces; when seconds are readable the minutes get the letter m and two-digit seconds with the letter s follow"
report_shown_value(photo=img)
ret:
5h27m22s
